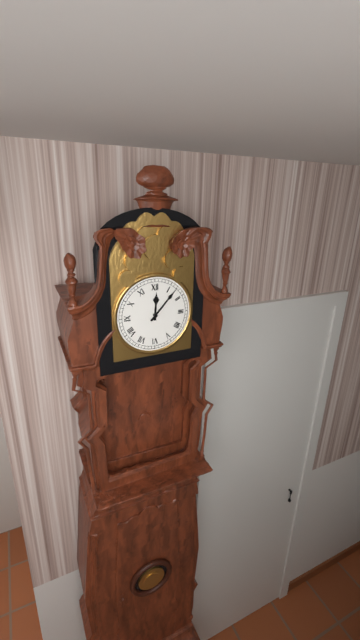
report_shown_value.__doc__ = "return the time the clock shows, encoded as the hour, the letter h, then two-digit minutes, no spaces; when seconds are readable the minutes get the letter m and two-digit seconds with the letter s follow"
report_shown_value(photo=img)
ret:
12h07
